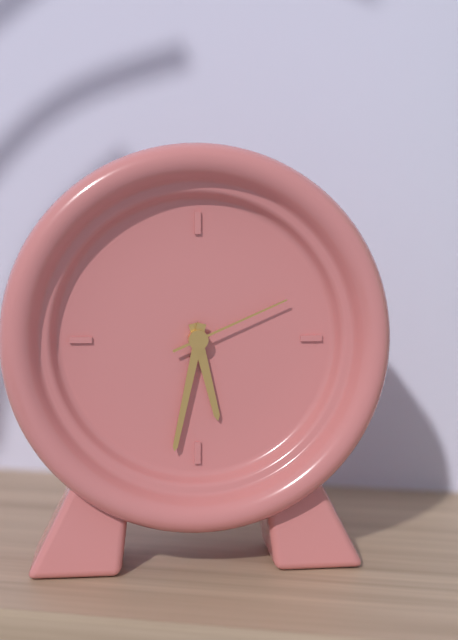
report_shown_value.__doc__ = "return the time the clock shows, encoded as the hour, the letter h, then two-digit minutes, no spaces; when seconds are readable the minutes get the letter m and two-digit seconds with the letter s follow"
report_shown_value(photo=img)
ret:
5h32m11s
